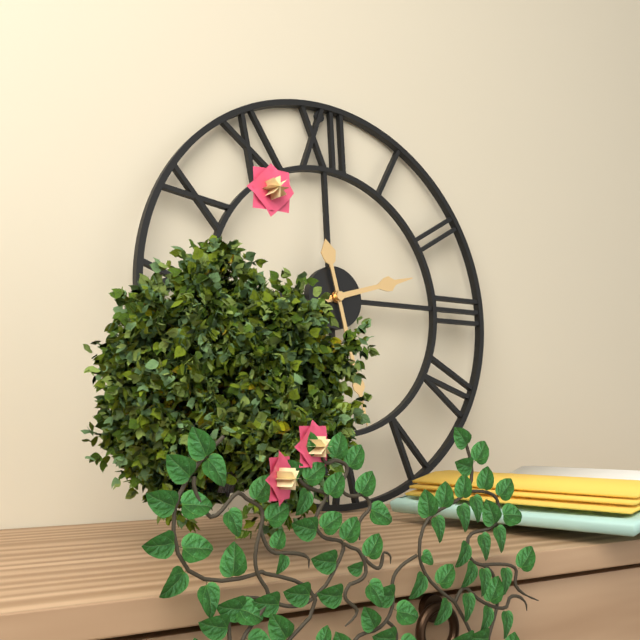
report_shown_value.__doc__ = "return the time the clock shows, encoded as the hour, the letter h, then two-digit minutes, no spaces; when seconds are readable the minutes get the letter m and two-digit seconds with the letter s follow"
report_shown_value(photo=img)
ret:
2h28
